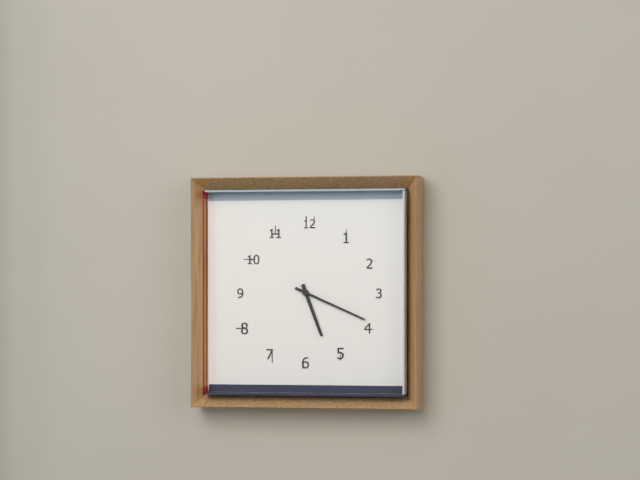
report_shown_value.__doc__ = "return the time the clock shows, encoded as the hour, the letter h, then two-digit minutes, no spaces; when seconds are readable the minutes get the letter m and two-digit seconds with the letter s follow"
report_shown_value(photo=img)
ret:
5h19
